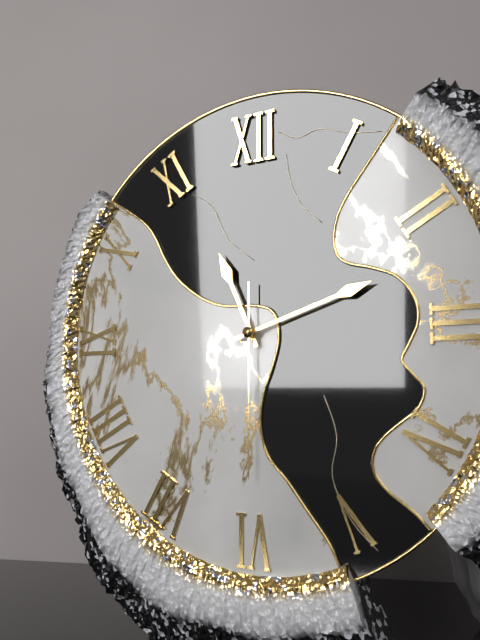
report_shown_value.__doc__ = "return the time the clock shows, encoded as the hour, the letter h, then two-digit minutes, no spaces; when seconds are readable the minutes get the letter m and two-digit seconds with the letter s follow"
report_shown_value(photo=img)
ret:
11h12m30s
